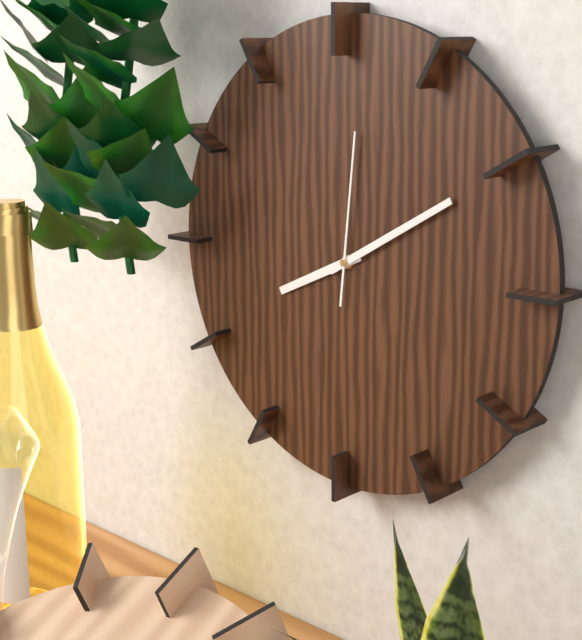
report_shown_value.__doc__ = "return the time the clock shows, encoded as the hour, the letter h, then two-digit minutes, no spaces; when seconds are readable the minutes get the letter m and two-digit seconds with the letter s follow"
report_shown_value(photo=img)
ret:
8h10m01s
